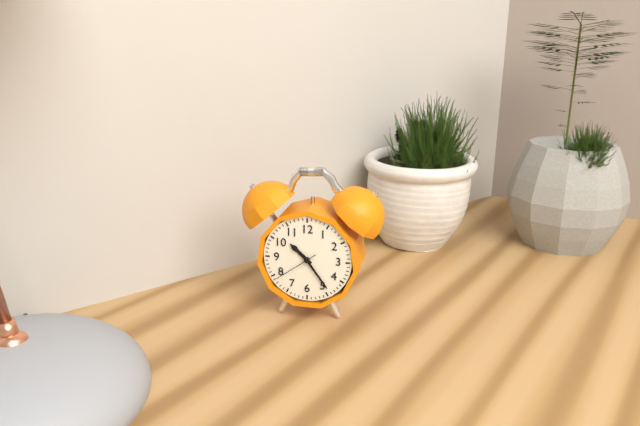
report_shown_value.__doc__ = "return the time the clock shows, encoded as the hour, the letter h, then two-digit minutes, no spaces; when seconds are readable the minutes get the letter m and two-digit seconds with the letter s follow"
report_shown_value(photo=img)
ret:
10h24
